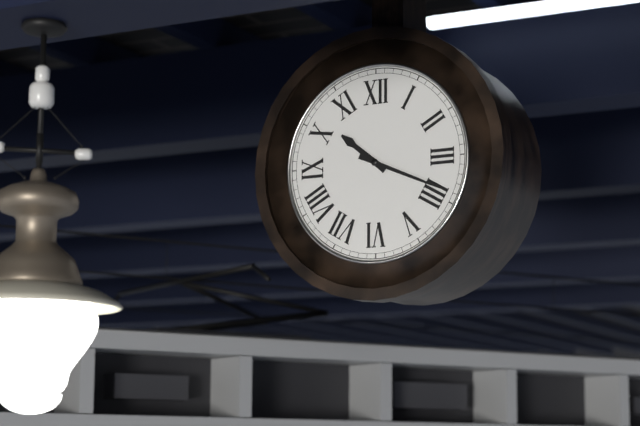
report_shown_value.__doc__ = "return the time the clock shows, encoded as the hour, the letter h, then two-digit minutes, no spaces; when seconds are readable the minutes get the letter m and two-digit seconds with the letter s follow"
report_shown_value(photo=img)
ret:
10h19
